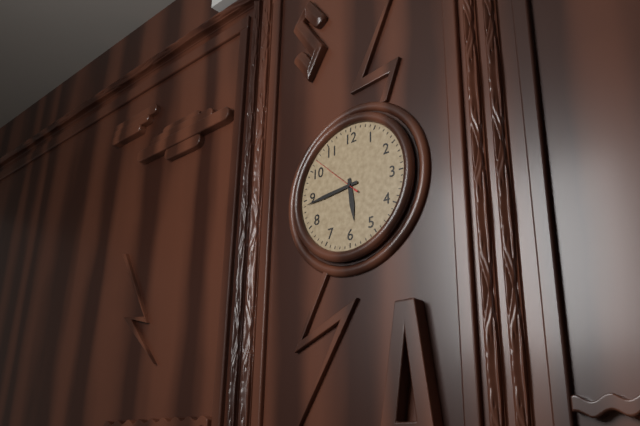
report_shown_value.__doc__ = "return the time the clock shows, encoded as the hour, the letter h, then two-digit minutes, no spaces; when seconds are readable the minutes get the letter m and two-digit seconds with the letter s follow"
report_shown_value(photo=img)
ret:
5h44m52s
